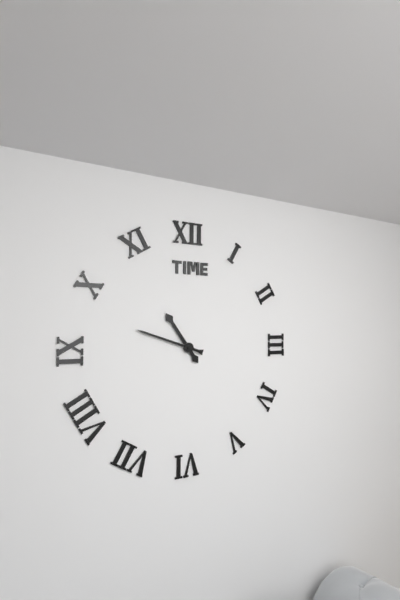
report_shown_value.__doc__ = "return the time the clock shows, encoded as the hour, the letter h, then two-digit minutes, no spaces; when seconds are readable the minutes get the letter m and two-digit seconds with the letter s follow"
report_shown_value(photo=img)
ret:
10h48
